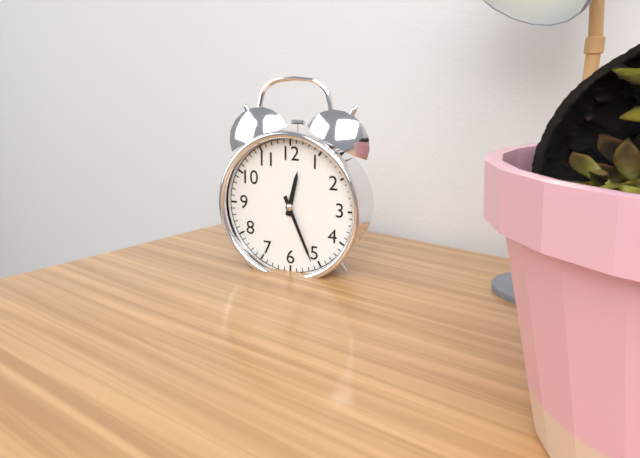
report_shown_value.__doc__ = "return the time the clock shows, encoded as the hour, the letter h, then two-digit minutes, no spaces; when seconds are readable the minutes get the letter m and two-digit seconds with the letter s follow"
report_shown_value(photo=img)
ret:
12h26
